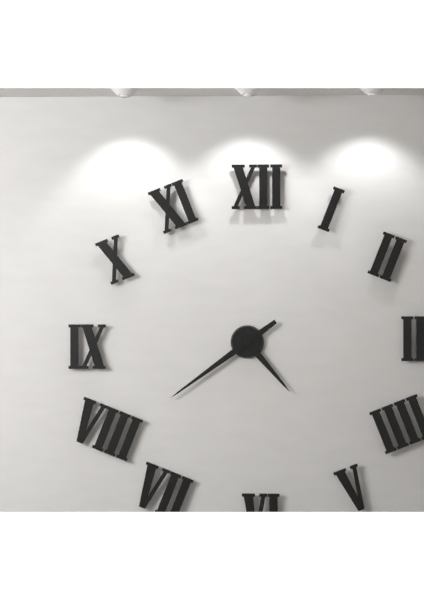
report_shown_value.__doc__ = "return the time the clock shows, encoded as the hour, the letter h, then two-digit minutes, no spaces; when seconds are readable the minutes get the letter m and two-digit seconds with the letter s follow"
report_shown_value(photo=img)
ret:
4h39
